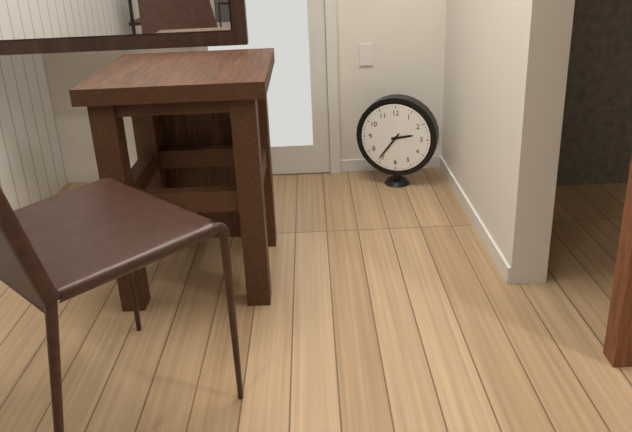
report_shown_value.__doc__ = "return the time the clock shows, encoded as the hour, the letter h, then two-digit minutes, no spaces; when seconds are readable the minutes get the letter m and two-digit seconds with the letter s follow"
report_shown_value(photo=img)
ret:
2h36
